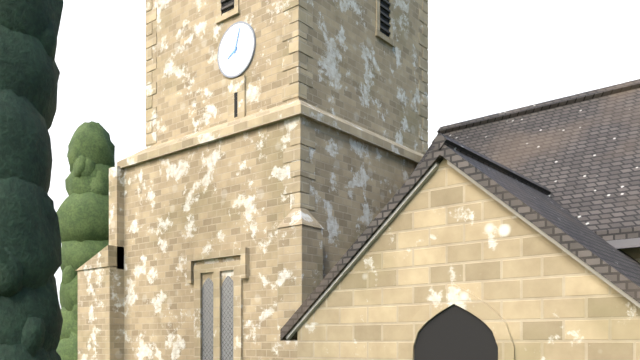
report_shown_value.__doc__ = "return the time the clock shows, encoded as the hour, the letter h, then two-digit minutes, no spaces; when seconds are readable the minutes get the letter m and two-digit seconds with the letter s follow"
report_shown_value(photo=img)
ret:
8h03
